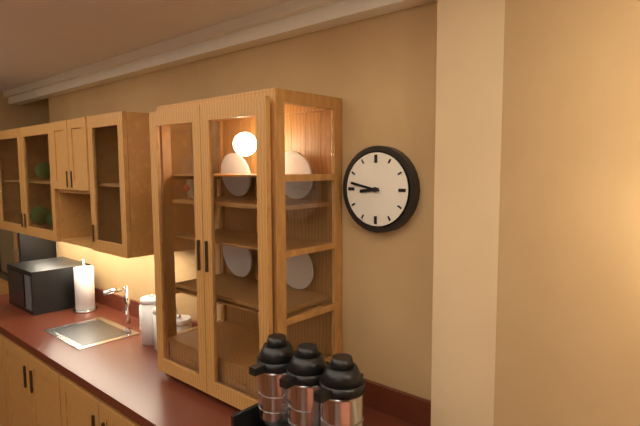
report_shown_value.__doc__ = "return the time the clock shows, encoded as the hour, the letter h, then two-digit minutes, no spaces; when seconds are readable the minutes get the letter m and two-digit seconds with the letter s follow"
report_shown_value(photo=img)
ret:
8h47
